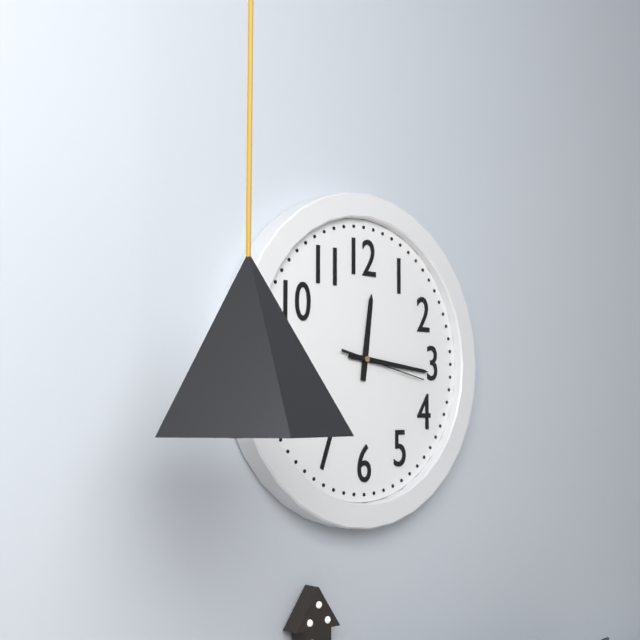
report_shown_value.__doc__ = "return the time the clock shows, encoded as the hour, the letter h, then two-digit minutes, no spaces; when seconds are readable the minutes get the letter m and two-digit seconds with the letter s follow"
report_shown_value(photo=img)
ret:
12h16m17s
